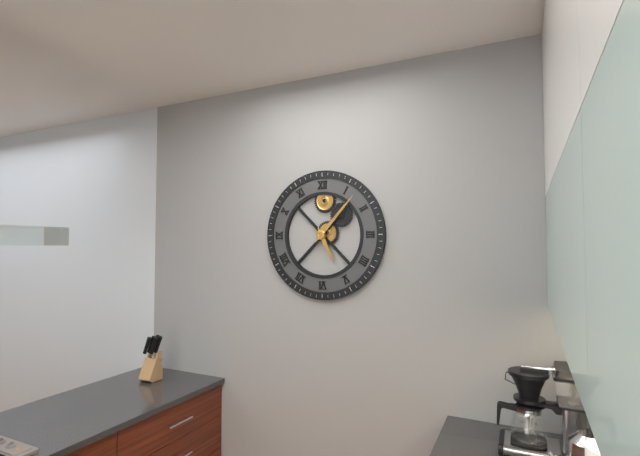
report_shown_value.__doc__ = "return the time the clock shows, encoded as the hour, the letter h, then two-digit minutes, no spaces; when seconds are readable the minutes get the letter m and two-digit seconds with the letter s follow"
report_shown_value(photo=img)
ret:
5h07
